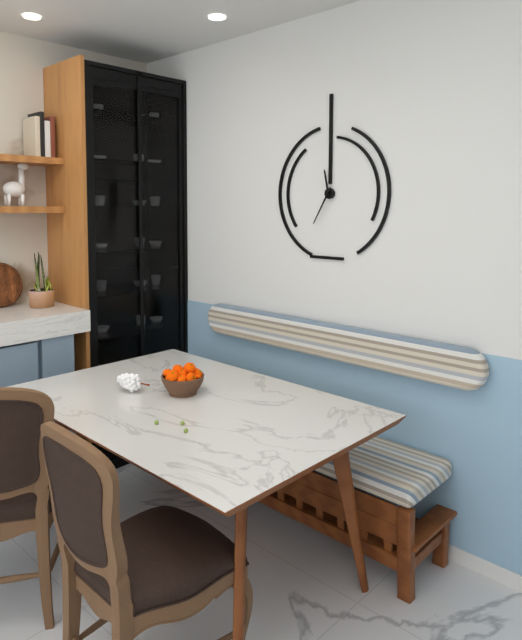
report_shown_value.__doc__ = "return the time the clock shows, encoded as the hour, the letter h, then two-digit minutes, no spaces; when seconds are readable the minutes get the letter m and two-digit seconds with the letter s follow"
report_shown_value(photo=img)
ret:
11h35
